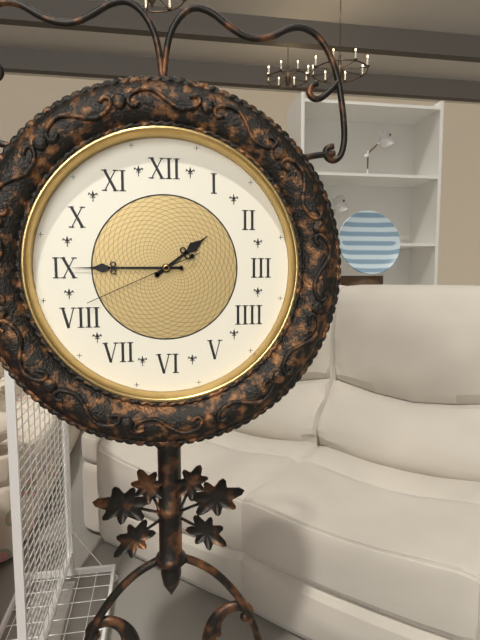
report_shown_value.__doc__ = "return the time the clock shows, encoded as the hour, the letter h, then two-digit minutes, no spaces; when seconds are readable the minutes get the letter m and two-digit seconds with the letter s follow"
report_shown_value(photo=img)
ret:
1h45m41s
